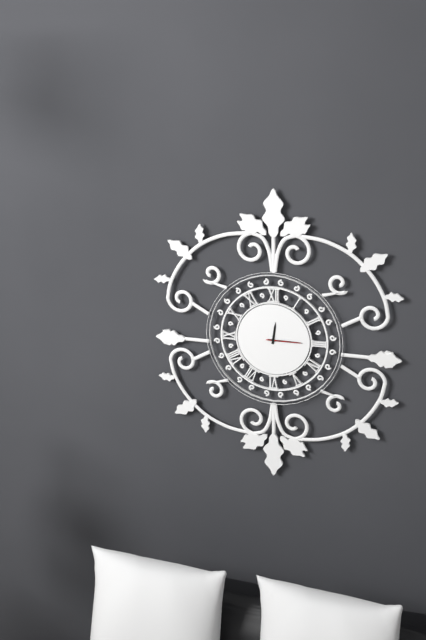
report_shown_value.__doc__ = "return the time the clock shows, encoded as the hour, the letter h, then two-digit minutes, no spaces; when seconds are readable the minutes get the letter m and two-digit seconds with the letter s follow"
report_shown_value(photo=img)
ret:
12h15
